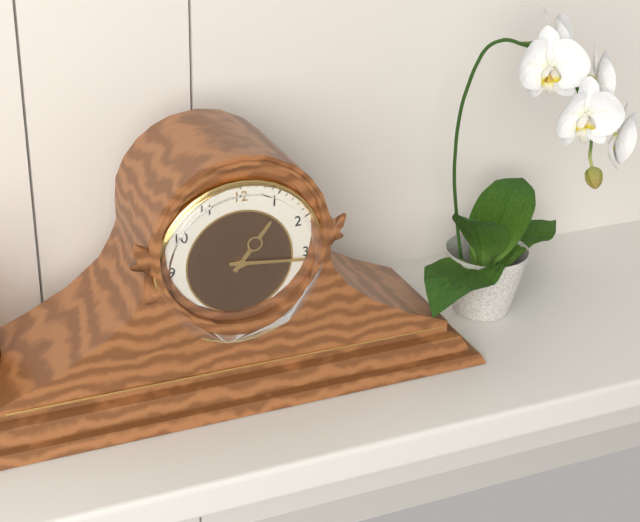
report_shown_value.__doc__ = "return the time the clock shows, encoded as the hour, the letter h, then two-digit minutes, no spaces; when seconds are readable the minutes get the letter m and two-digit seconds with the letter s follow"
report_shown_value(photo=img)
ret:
1h16
